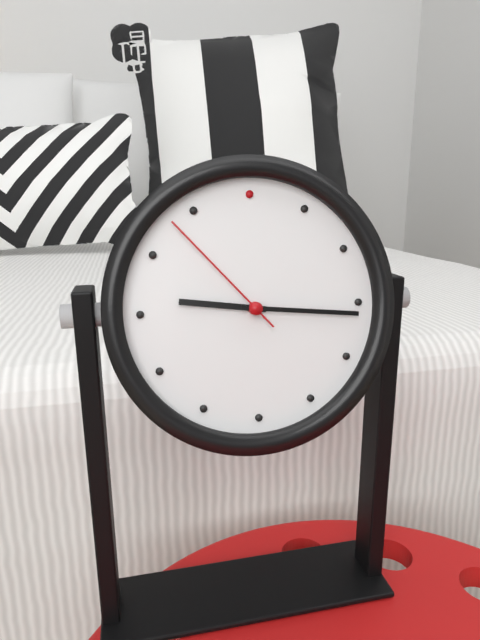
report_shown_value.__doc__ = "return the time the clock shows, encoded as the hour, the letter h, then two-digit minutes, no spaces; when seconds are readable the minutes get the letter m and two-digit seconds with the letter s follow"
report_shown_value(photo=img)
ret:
9h16m53s
